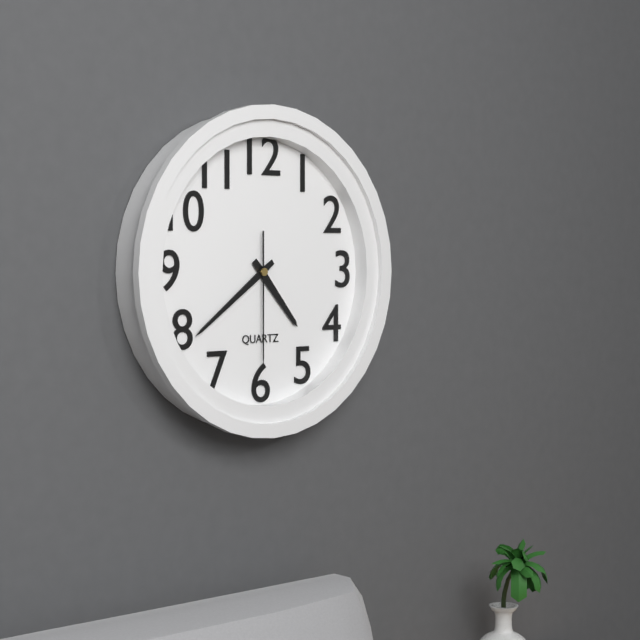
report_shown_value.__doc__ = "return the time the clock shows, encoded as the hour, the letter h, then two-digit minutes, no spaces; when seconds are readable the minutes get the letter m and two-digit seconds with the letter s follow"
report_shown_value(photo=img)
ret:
4h39m30s
